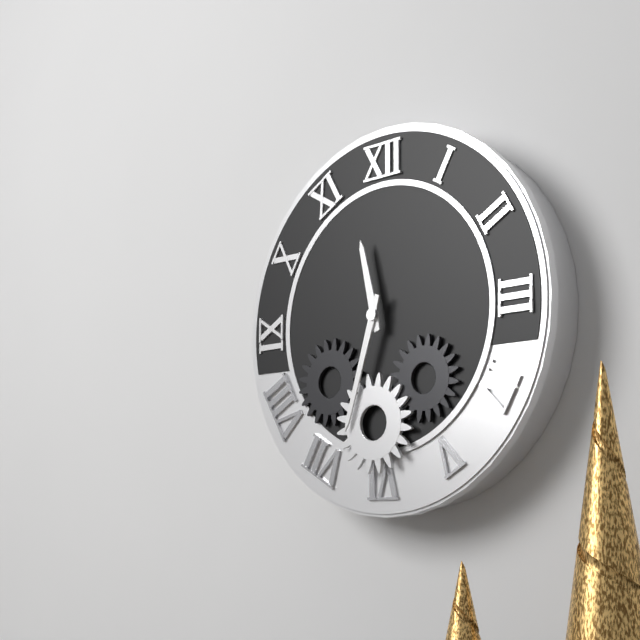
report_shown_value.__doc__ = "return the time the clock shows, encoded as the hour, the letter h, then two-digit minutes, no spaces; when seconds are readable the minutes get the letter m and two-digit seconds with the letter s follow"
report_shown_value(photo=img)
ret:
11h33
